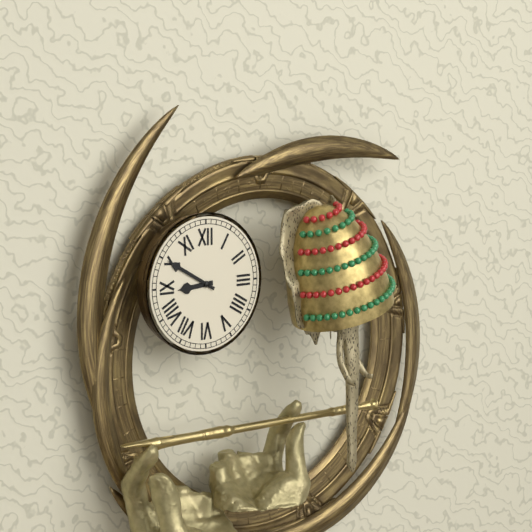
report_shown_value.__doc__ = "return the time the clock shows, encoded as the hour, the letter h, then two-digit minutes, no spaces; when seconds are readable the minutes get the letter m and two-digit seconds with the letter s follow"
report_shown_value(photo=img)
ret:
8h50
